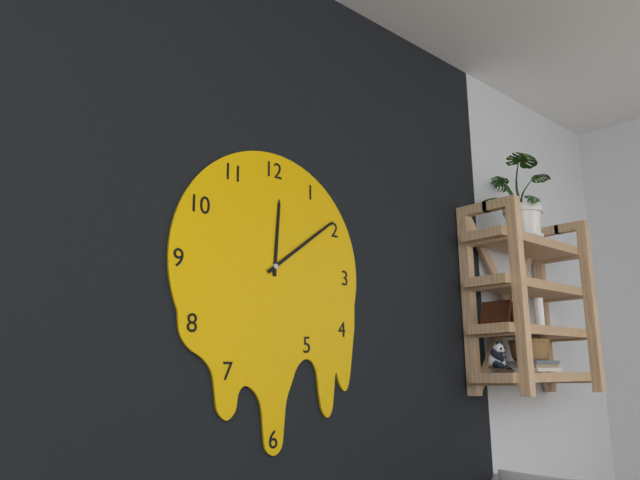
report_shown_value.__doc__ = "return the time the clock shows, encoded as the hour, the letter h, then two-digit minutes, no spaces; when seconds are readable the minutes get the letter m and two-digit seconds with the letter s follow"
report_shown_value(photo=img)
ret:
12h09
